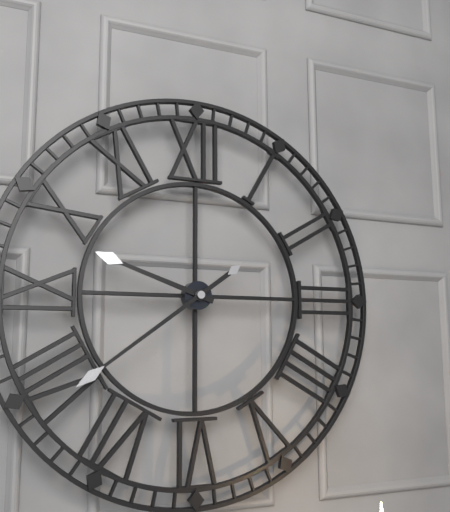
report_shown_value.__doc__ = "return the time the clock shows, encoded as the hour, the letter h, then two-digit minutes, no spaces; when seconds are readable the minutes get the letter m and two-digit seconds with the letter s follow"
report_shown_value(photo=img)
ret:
9h39
